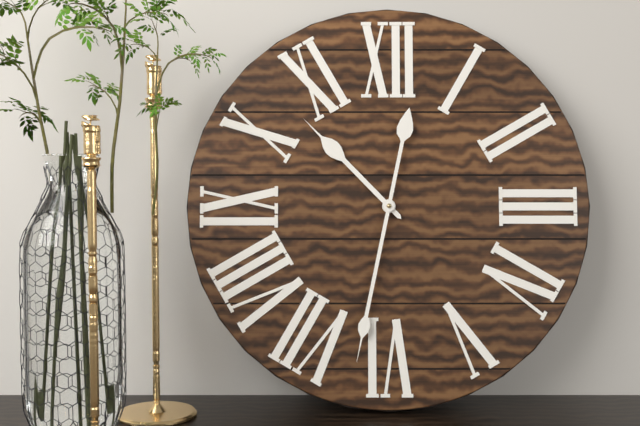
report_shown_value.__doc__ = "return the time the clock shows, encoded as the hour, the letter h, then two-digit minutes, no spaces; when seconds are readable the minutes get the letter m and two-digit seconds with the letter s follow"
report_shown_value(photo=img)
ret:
10h32
